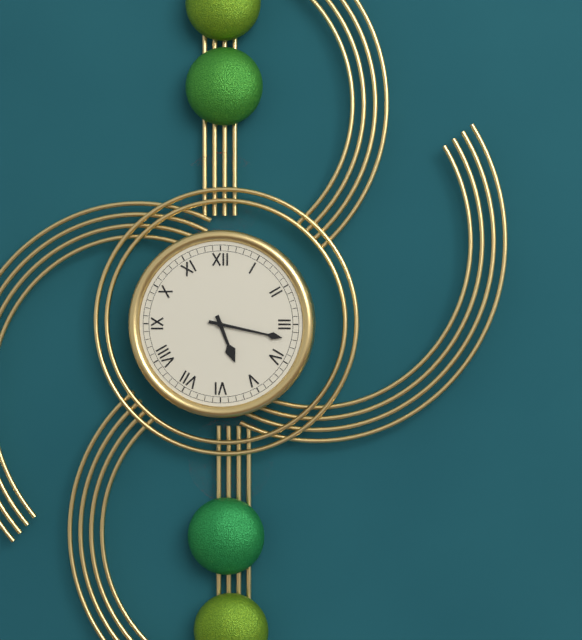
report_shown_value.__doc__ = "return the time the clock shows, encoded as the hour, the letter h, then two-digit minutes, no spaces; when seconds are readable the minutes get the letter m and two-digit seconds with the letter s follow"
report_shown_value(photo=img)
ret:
5h17
